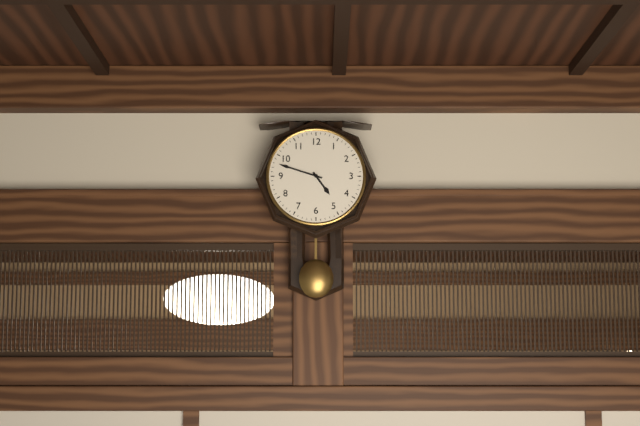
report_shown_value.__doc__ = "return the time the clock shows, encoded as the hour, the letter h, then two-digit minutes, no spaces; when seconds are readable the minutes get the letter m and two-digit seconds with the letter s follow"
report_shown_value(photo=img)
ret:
4h48
